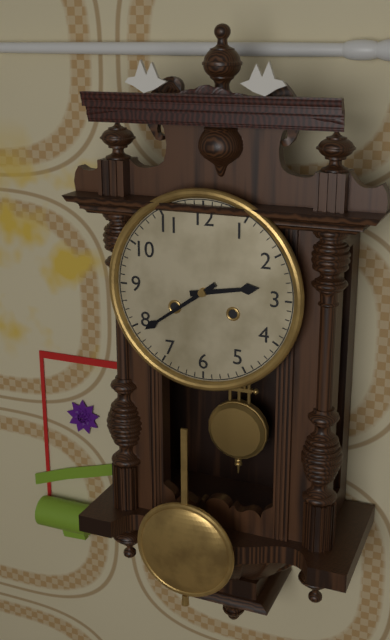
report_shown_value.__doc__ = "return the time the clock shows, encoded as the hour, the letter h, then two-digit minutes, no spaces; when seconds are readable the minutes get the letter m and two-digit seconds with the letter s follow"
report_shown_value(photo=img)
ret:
2h39
